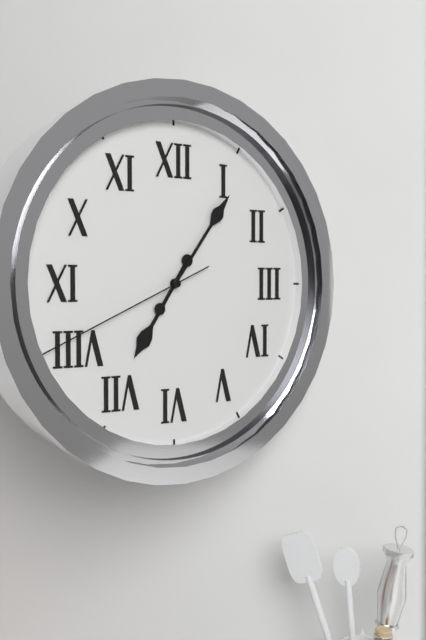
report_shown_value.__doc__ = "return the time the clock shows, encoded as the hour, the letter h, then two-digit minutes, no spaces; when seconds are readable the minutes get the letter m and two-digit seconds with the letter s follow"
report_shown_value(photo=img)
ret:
7h06m41s
